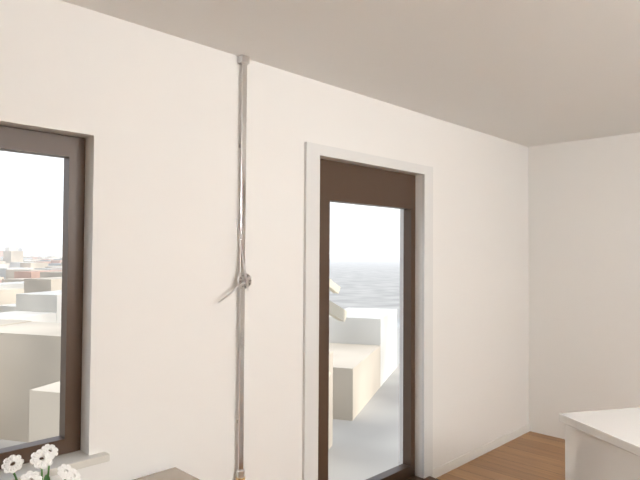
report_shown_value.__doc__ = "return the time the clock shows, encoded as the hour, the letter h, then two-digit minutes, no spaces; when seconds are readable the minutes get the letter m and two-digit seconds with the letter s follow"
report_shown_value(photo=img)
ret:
7h58
